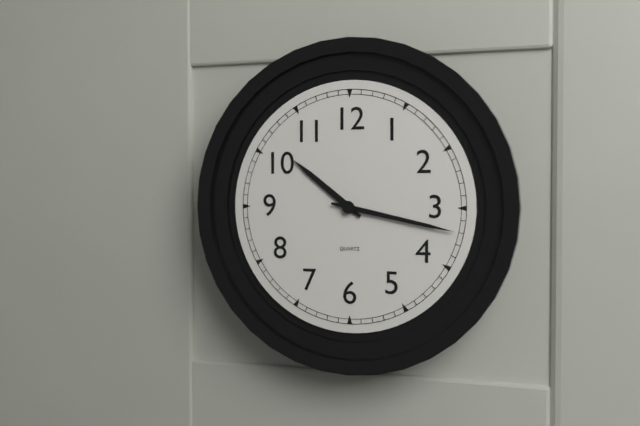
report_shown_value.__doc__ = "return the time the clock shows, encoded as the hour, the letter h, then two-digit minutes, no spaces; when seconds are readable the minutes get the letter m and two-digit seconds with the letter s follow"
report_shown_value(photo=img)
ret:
10h17
